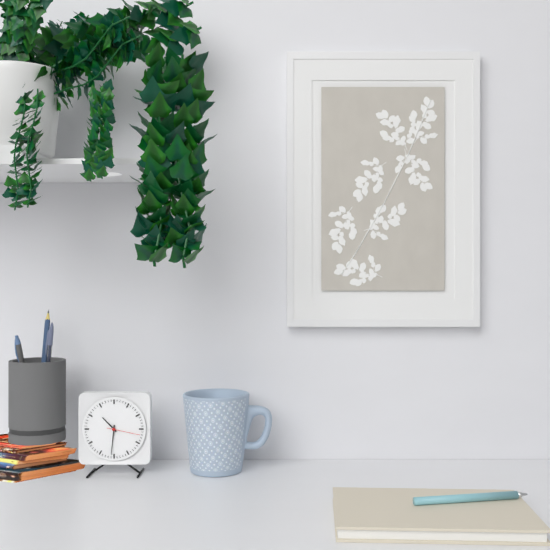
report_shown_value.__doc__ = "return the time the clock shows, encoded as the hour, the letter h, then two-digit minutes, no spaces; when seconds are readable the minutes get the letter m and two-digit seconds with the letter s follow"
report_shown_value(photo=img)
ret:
10h31
